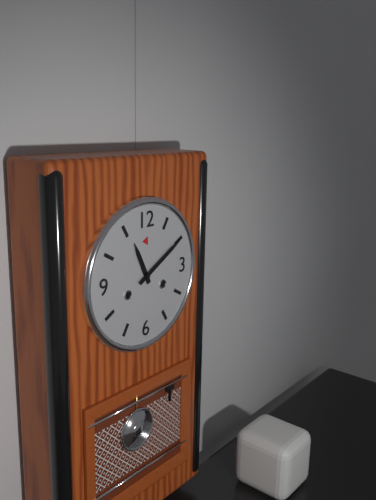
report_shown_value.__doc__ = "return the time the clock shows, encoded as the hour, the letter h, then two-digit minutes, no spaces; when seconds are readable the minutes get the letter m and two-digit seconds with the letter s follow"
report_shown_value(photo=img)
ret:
11h10
